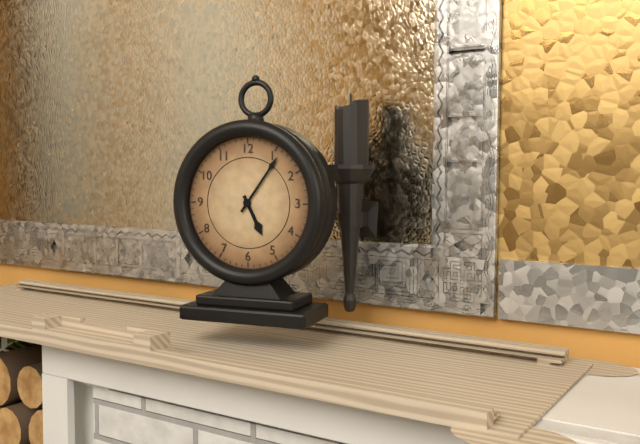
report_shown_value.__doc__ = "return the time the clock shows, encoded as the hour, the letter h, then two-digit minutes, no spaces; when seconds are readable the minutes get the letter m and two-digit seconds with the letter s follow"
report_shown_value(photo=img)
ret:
5h06
